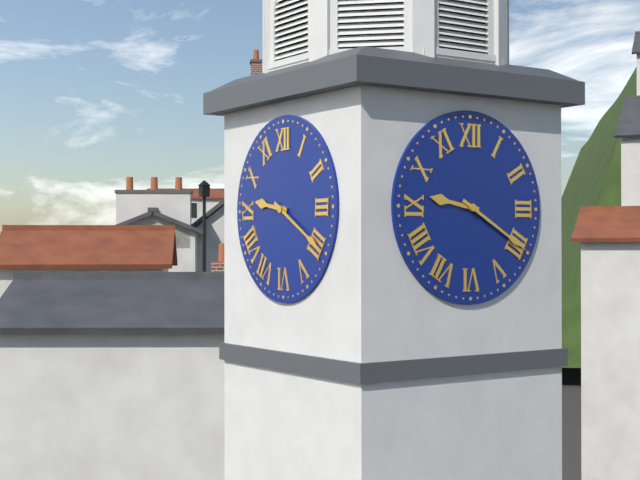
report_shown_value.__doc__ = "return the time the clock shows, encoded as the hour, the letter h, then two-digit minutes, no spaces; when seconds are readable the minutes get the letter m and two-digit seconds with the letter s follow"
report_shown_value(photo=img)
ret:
9h20
